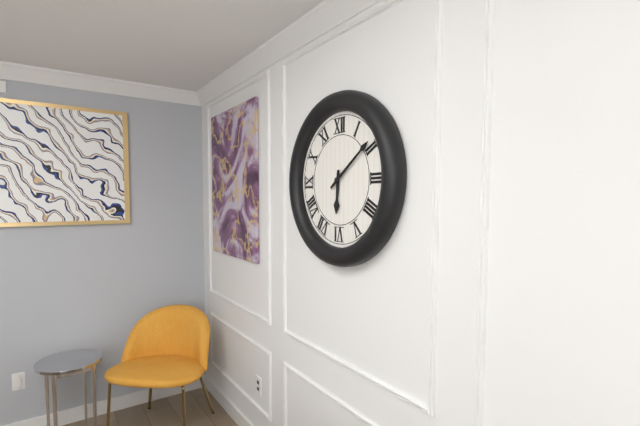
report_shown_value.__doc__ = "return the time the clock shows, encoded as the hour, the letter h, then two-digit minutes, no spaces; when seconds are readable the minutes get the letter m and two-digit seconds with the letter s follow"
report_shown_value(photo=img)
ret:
6h09
